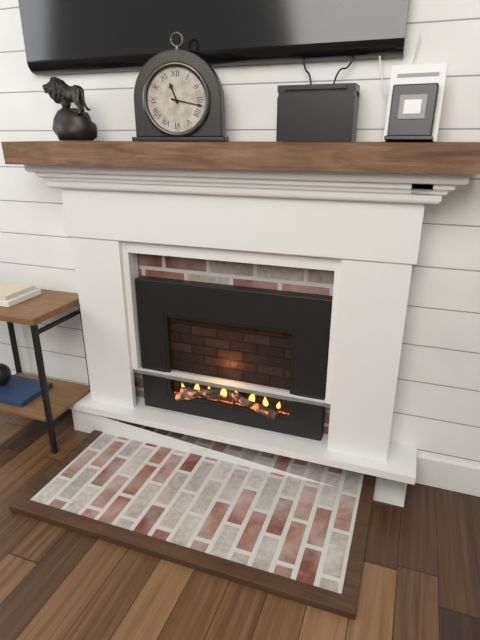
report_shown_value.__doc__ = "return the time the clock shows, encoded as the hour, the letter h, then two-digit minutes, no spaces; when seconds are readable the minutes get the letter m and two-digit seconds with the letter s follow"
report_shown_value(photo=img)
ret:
11h17
